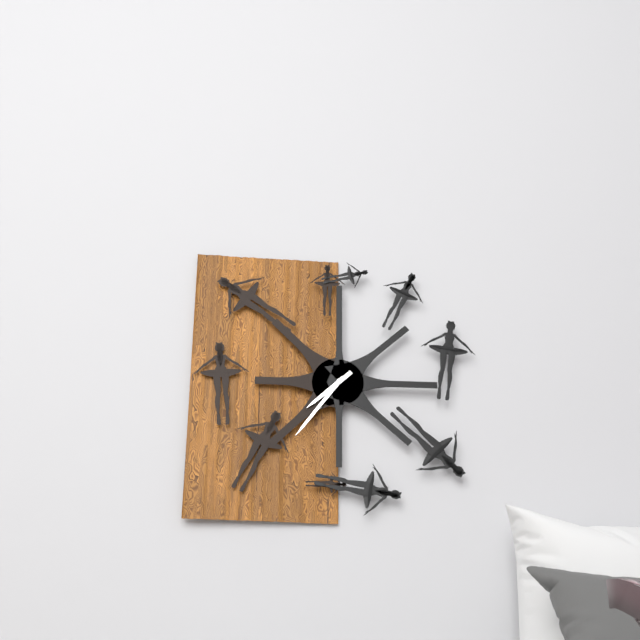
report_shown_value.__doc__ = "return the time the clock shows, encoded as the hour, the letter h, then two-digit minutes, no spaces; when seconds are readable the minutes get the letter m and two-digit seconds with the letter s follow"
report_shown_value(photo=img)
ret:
7h36
